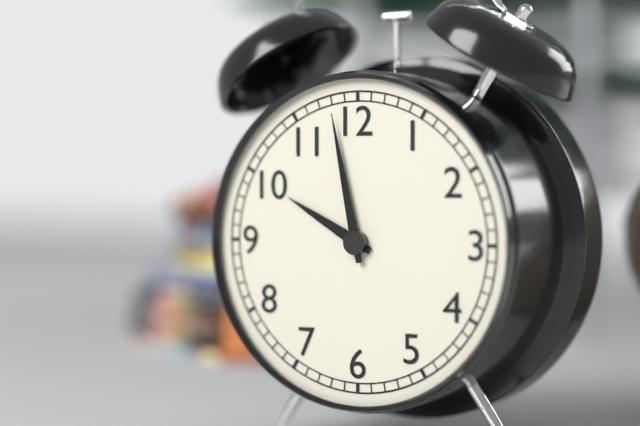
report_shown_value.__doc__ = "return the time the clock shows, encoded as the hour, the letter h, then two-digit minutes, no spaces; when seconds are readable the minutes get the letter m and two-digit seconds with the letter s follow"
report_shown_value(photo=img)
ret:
9h58
